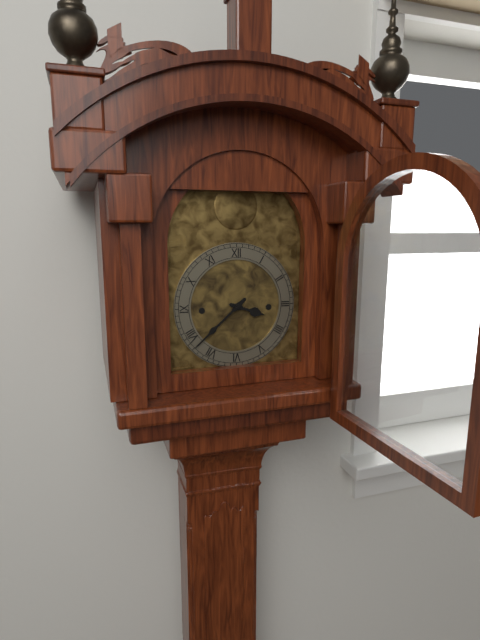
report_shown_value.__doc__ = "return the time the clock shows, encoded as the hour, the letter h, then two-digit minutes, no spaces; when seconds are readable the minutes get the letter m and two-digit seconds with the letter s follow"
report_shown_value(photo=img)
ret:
3h38
